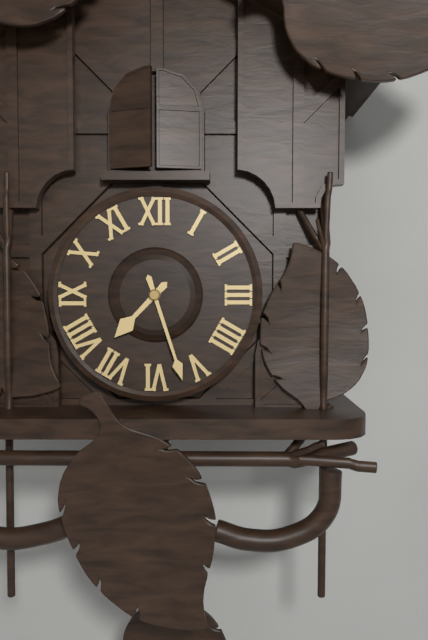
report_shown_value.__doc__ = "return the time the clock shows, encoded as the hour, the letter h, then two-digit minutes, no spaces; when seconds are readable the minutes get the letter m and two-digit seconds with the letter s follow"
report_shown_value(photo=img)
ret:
7h27
